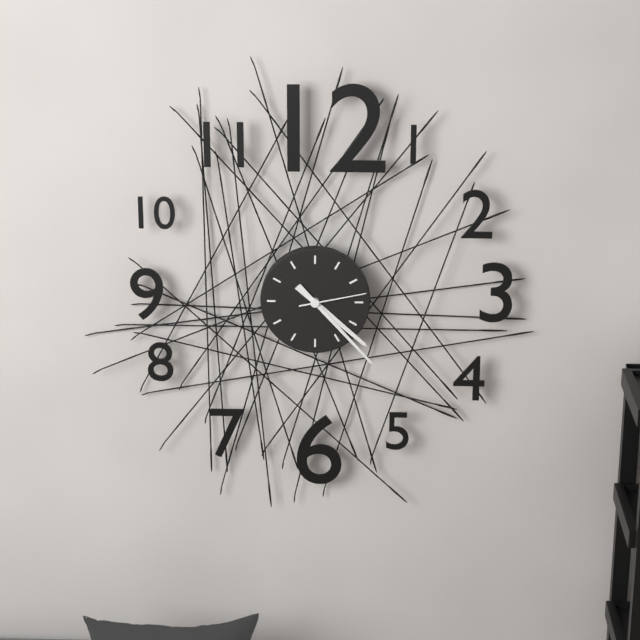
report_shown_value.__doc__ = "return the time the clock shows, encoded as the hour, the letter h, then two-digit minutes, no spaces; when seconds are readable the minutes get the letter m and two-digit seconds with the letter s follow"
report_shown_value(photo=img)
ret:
4h23m13s
